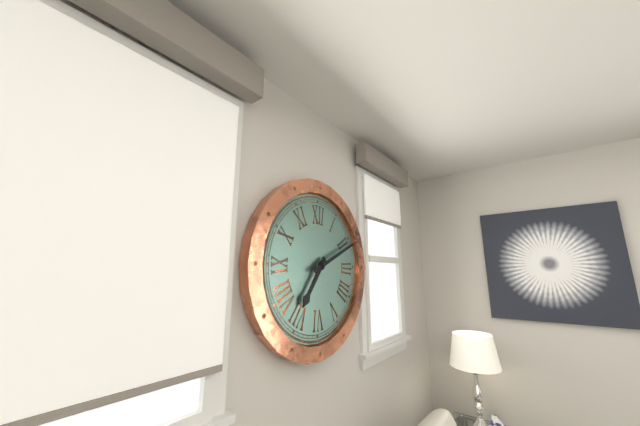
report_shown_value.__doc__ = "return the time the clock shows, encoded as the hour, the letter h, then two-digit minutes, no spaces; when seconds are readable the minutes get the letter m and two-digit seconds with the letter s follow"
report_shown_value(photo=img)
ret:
7h11
